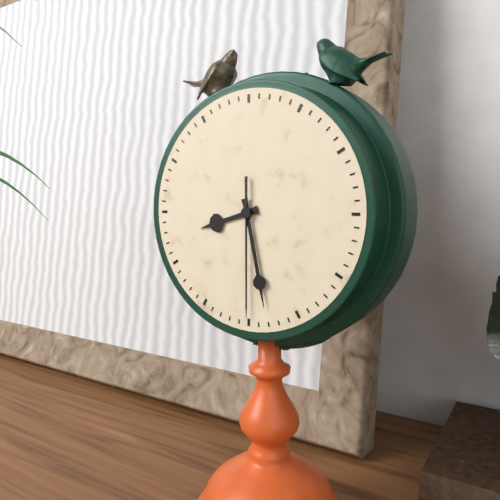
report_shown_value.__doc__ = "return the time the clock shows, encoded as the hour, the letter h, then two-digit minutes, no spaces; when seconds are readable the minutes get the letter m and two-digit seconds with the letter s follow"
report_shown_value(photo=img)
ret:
8h28m30s
